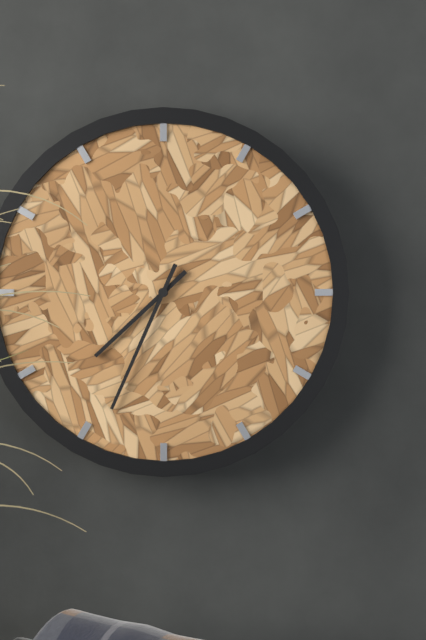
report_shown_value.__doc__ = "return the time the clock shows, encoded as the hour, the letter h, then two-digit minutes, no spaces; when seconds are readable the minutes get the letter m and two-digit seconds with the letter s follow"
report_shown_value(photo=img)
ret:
7h34
